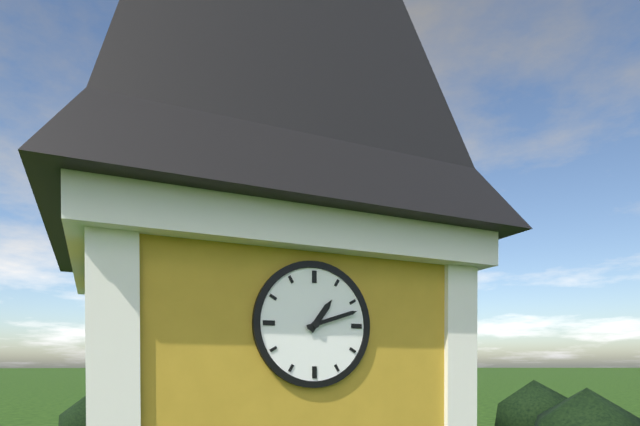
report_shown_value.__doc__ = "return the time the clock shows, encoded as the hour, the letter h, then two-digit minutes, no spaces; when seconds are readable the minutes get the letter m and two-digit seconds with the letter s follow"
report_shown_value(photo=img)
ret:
1h12
